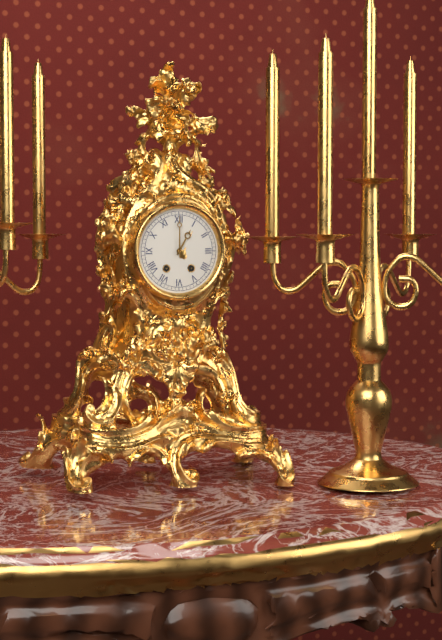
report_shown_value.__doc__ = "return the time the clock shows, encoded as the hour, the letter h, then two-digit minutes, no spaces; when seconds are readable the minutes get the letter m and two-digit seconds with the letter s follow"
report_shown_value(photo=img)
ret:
1h00
